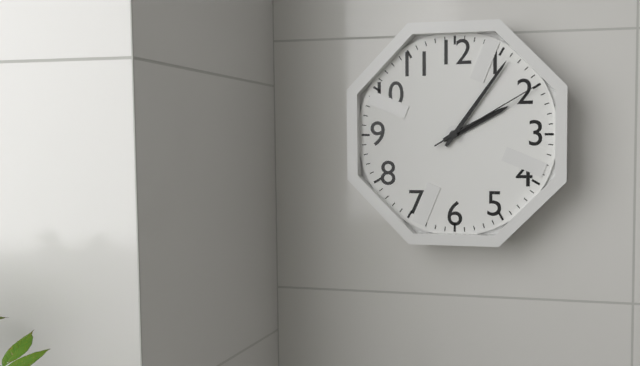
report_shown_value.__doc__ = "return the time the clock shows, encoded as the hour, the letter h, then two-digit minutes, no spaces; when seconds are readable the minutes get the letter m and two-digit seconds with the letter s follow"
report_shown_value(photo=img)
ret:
2h06m10s
